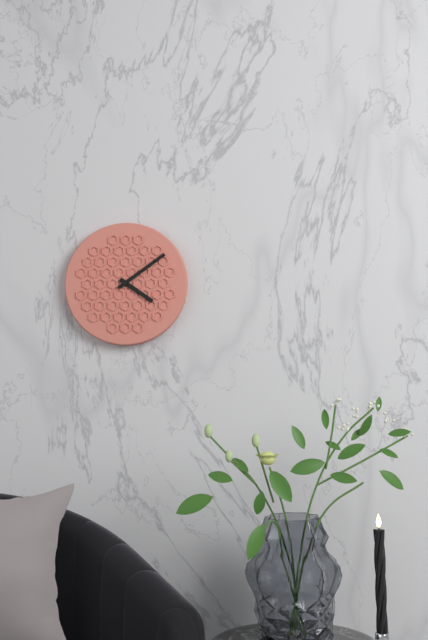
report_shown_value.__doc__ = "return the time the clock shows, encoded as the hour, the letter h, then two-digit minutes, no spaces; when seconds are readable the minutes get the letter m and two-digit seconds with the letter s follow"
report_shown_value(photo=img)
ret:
4h09
